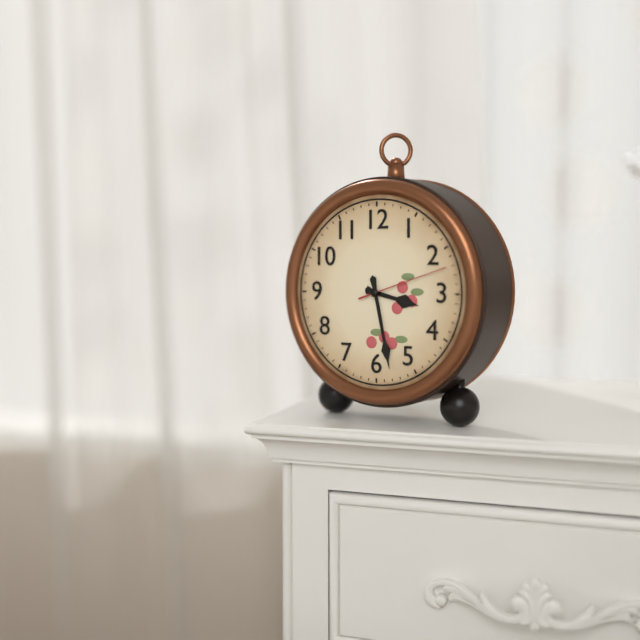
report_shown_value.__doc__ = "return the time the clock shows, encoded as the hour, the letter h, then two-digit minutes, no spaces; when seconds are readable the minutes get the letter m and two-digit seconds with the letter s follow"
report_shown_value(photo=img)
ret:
3h28m12s
